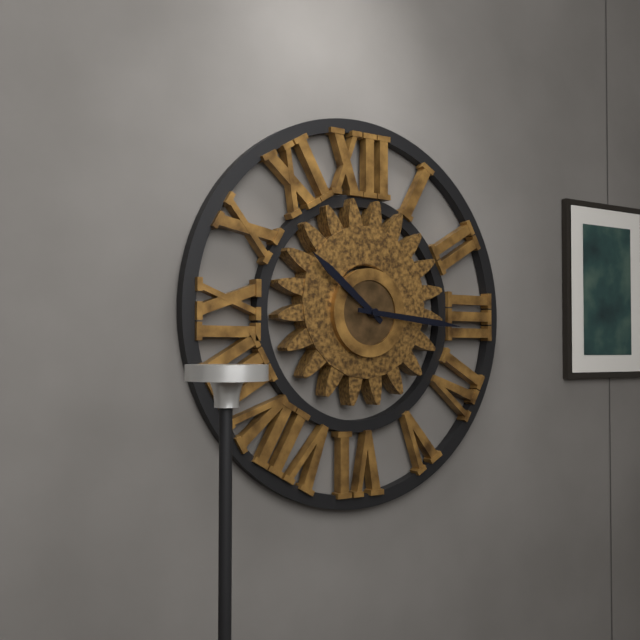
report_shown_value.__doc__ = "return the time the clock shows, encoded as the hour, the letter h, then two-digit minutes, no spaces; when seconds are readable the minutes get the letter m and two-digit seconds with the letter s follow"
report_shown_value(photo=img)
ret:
10h16
